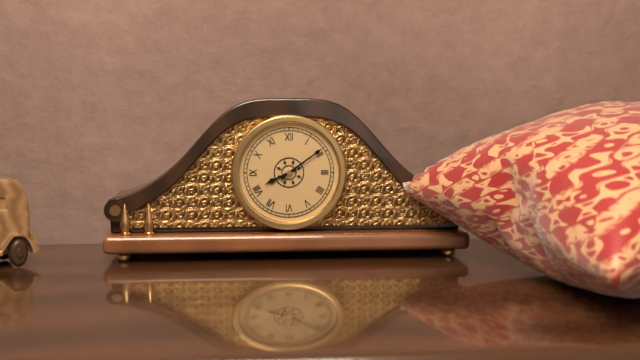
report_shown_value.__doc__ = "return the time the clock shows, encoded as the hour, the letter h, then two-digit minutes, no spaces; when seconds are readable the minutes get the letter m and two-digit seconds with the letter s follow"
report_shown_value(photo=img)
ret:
8h09
